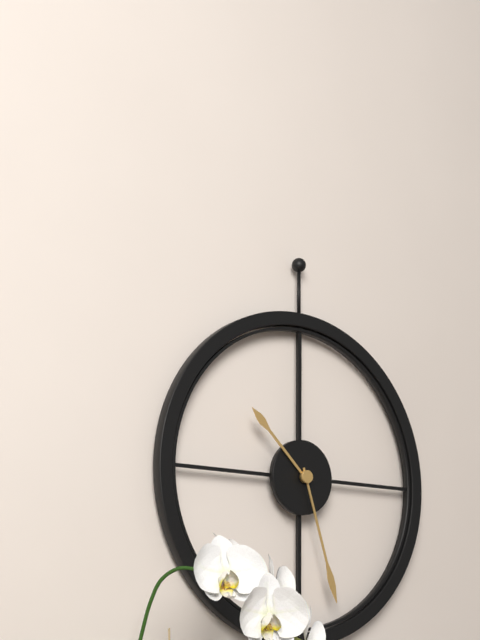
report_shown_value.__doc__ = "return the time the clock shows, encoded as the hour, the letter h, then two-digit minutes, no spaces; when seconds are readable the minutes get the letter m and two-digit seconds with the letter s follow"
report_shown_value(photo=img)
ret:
10h27
